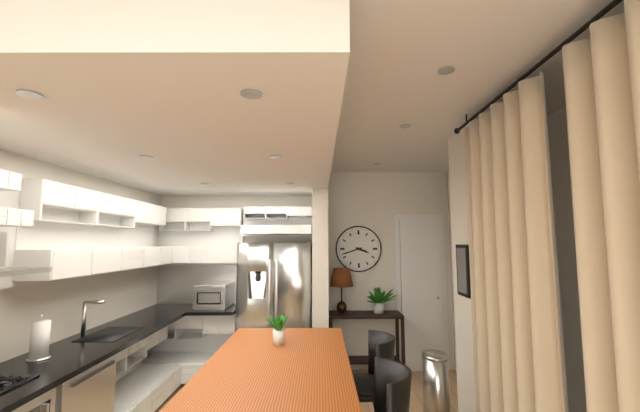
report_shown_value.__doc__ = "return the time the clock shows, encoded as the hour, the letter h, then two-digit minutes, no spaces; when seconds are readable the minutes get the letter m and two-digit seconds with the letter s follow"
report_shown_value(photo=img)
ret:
3h42
